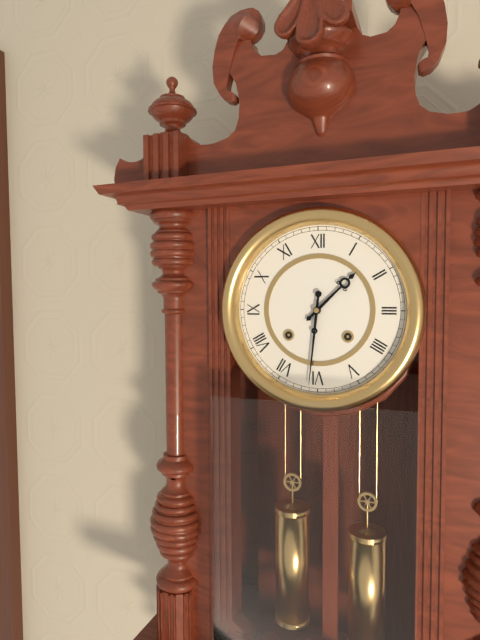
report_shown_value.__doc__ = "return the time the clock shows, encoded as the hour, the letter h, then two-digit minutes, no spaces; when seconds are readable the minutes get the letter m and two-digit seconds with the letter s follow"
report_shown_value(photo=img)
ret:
1h31
